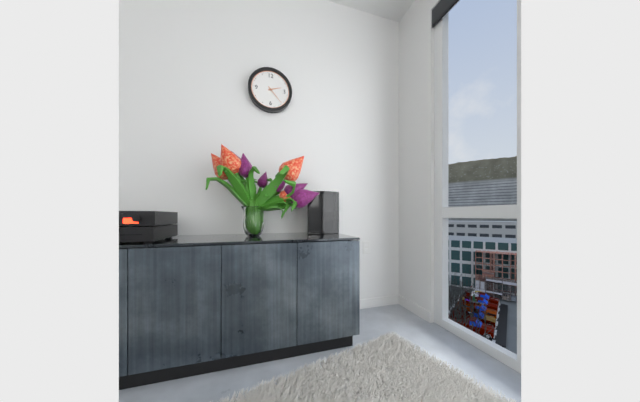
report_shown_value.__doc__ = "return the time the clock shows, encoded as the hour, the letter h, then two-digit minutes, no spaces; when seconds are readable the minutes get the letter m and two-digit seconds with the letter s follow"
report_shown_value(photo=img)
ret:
2h23
